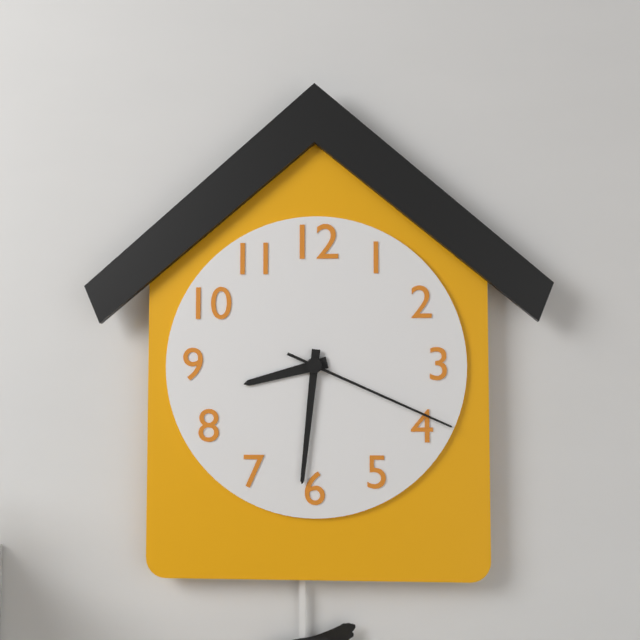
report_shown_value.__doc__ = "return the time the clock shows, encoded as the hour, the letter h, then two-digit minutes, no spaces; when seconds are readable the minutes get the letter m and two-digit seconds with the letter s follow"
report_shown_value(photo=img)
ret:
8h31m19s
